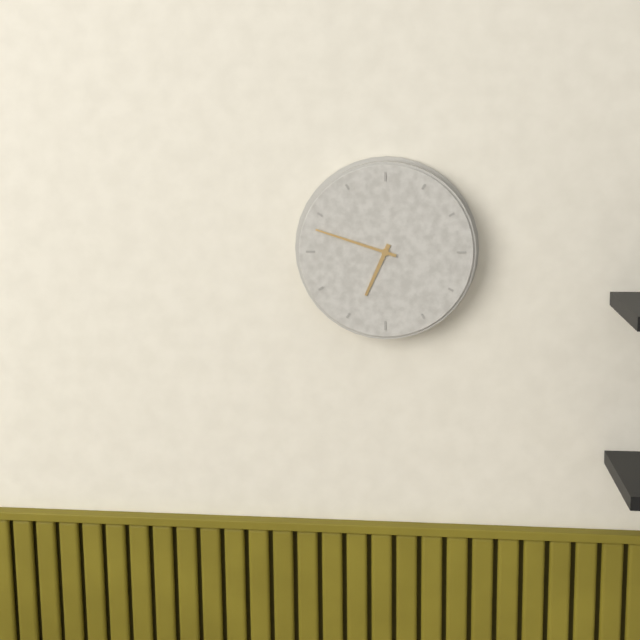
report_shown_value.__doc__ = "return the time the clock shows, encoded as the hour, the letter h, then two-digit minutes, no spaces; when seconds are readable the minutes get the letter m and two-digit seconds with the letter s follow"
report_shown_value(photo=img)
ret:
6h48
